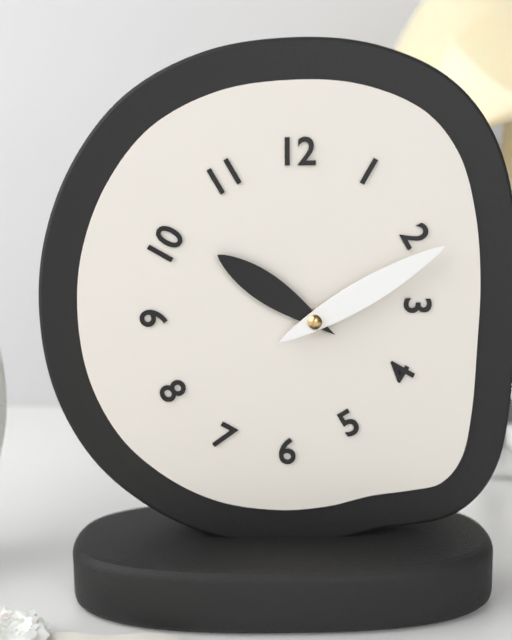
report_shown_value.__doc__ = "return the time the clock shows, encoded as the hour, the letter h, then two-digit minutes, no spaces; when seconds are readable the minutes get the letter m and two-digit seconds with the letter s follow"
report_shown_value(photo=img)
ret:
10h10
